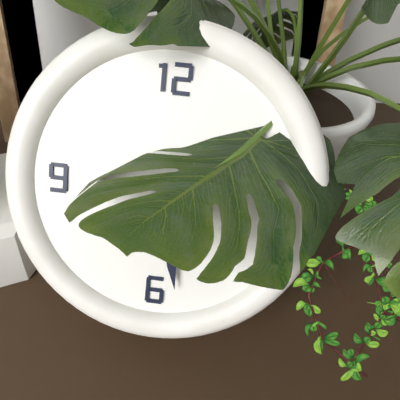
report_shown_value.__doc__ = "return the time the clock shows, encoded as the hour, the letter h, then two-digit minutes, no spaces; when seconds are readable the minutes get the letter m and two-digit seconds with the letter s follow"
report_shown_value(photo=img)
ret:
5h28
